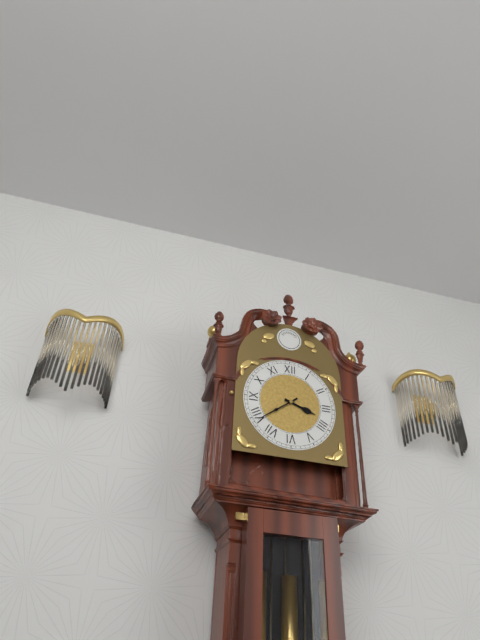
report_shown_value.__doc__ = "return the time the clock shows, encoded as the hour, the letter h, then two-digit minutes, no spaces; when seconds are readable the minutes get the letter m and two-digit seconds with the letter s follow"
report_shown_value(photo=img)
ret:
3h39
